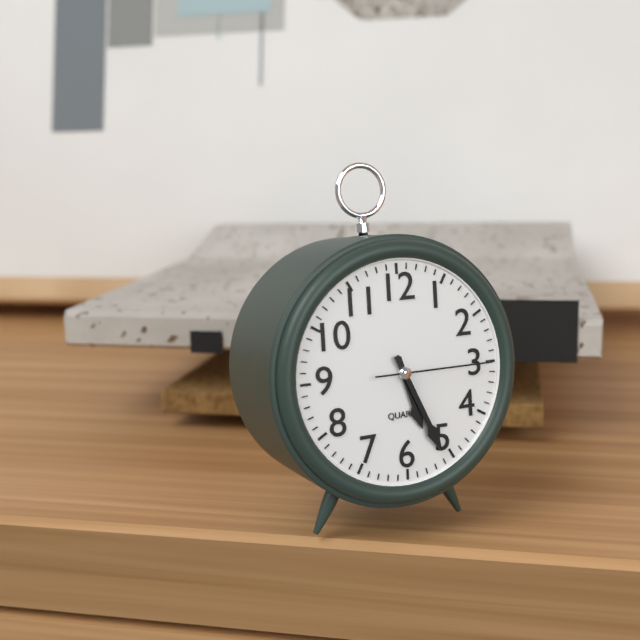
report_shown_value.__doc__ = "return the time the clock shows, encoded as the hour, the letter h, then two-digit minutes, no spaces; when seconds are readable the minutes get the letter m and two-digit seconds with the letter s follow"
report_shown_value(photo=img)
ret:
5h26m15s
